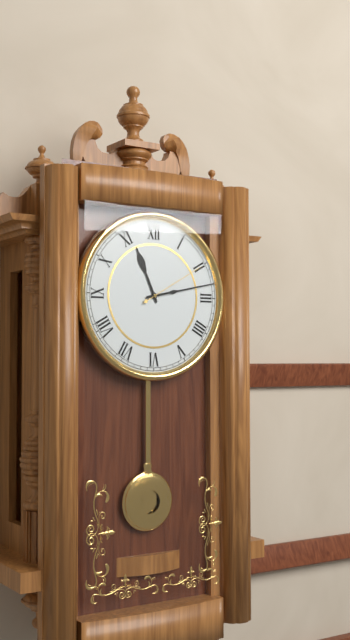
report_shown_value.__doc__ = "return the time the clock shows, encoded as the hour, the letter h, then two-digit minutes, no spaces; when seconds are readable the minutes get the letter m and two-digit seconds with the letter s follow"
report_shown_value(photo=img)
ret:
11h13m10s
